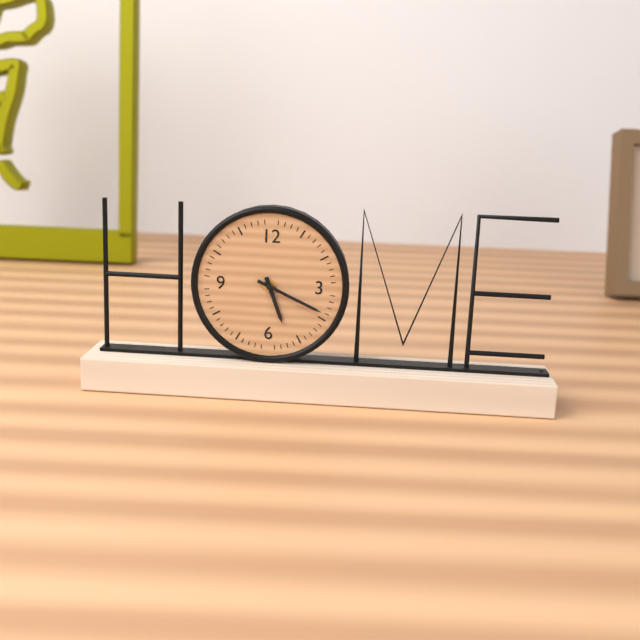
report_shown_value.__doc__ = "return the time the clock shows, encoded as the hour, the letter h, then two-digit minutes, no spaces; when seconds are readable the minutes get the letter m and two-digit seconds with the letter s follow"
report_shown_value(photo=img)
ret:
5h19
